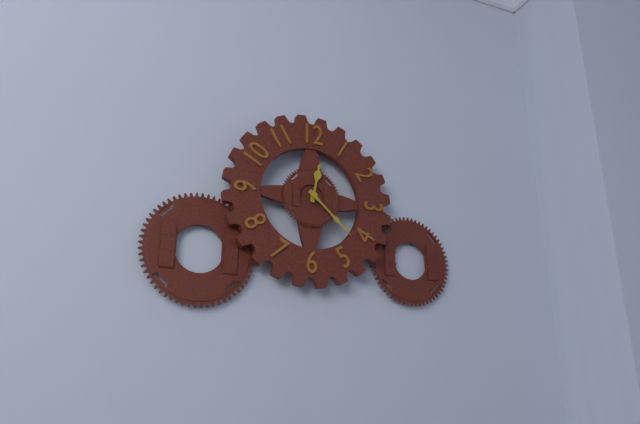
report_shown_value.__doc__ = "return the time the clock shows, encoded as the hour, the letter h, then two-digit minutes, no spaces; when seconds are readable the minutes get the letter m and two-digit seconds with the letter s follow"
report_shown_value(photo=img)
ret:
12h22
